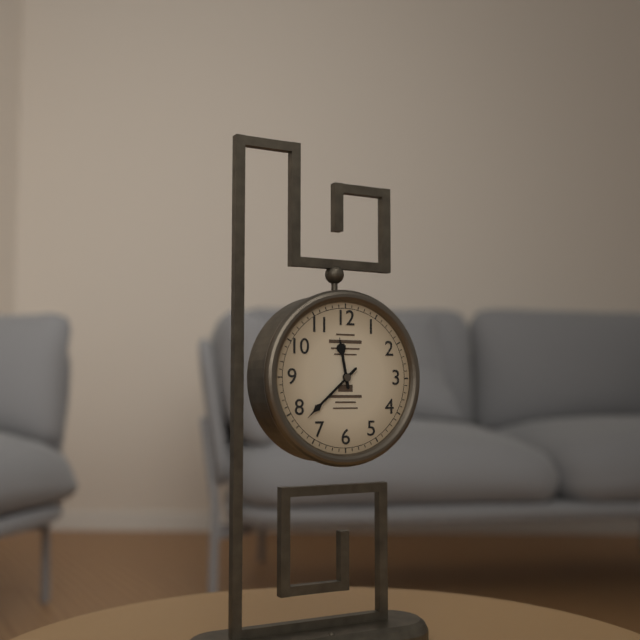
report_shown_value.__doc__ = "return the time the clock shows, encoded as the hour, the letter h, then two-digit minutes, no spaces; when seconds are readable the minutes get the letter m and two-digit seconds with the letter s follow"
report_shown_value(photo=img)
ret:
11h38
